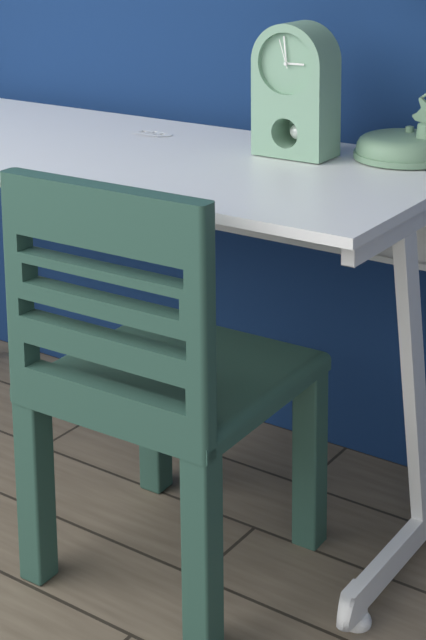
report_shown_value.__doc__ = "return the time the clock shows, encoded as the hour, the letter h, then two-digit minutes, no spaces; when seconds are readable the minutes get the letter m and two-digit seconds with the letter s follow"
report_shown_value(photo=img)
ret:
2h59
